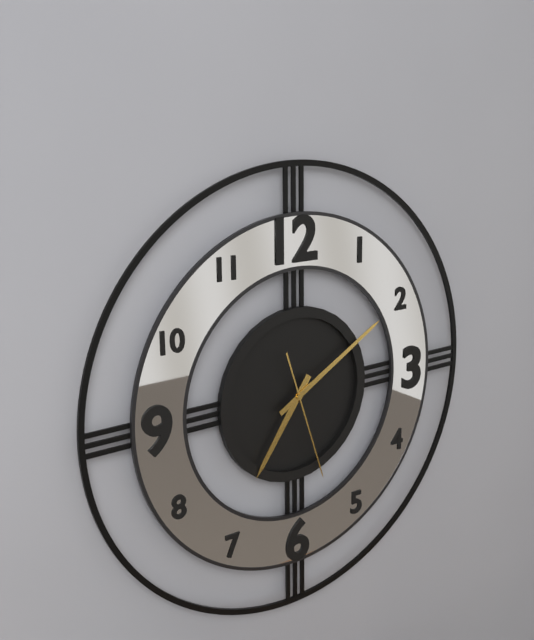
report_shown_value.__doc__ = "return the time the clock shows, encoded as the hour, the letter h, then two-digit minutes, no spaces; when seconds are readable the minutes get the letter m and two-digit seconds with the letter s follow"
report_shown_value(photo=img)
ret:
7h10m27s
